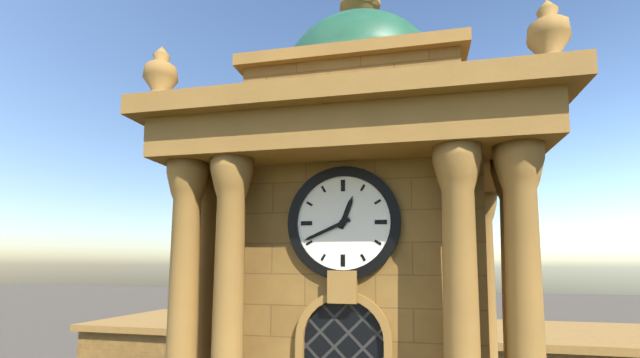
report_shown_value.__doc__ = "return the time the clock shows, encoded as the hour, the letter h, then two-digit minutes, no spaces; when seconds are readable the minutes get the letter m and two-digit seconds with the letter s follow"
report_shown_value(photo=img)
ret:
12h41
